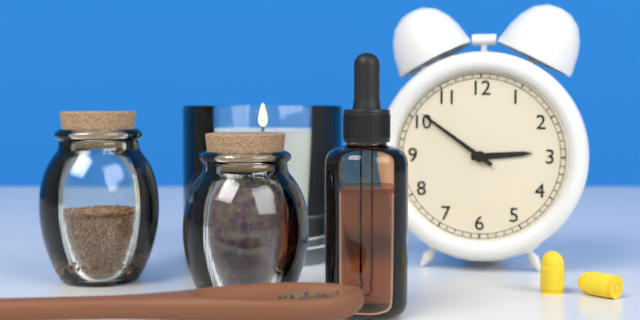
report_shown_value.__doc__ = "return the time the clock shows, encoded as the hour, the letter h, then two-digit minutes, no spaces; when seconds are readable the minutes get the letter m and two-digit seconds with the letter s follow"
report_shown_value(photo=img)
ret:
2h51
